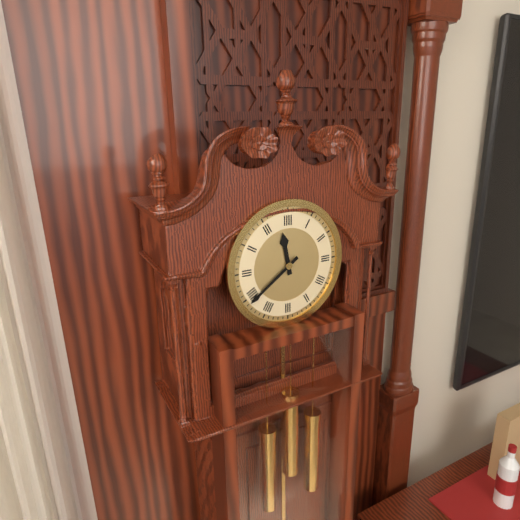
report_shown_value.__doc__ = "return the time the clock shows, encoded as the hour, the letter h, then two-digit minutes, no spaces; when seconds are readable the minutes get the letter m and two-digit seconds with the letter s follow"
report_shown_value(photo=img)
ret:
11h39
